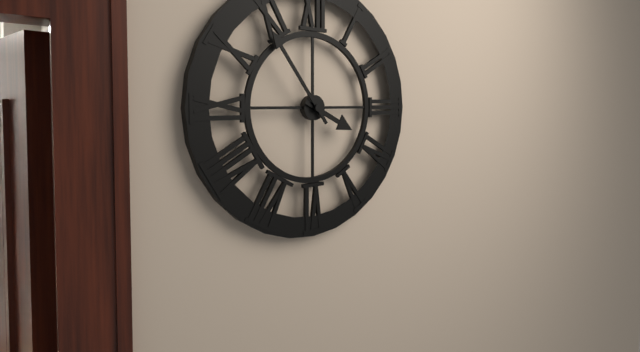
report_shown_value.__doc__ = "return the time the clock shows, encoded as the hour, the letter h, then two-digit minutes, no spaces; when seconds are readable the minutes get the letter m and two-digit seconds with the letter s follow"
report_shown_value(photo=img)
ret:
3h54
